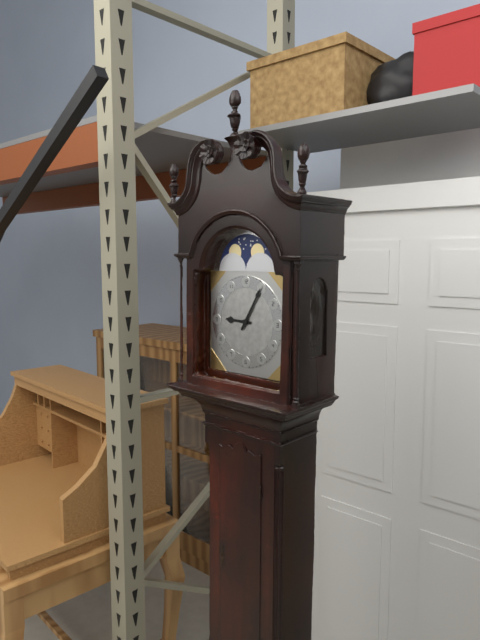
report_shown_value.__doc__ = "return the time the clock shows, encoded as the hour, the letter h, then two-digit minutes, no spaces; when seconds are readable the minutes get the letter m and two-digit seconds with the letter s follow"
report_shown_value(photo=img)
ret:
9h05
